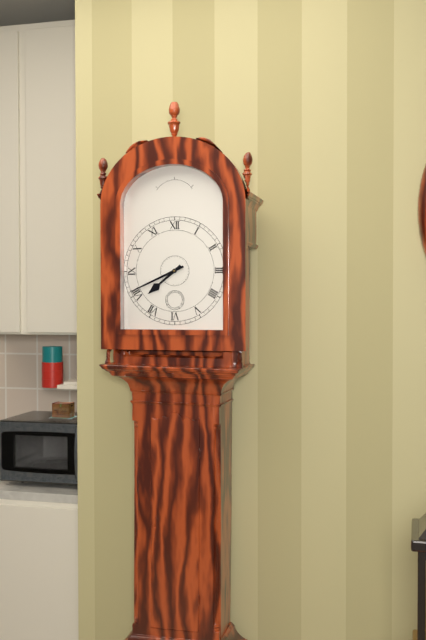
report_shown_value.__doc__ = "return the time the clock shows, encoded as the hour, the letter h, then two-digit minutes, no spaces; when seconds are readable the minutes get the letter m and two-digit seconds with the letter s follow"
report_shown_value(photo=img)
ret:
7h41
